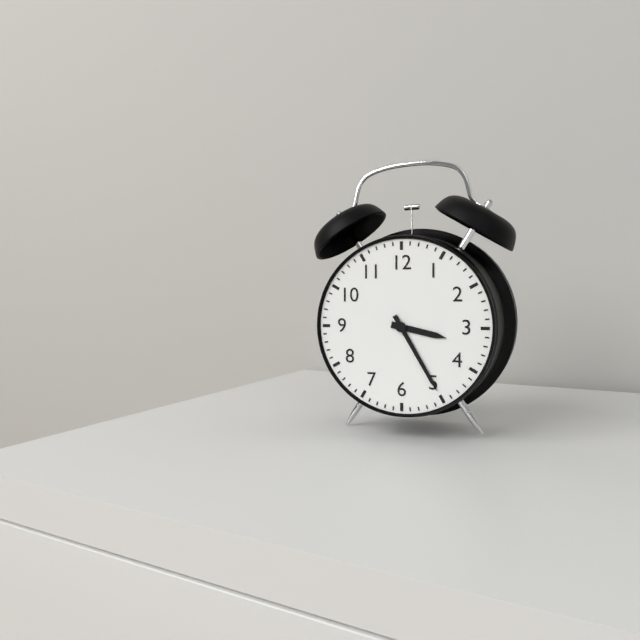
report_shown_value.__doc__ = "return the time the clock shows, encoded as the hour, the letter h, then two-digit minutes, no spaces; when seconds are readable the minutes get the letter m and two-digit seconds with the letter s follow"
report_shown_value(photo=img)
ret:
3h25
